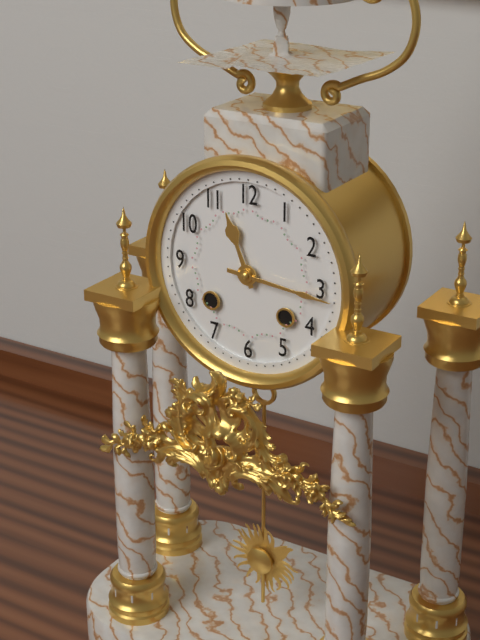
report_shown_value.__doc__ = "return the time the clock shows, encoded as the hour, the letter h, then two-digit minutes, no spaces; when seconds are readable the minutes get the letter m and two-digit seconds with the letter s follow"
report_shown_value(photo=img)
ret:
11h16
